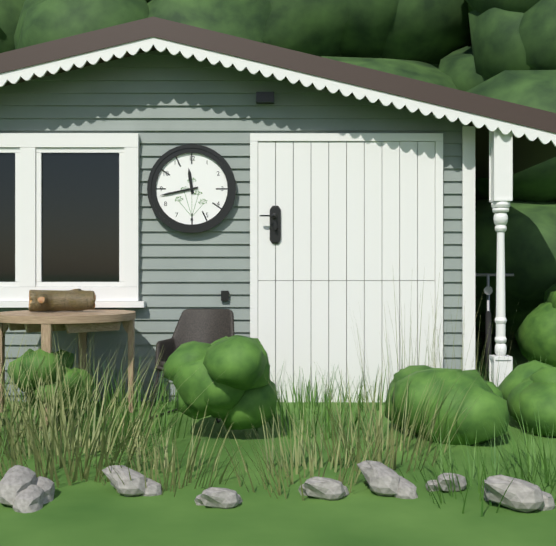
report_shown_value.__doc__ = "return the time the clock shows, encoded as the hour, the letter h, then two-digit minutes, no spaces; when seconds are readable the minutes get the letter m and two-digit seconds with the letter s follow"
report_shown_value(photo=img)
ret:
11h43
